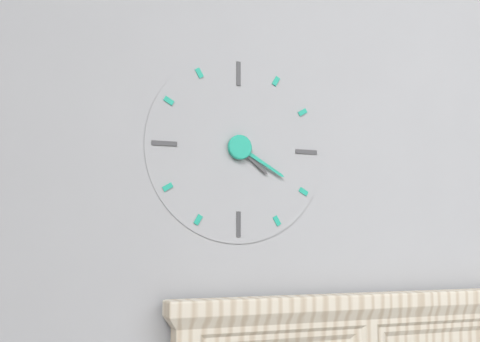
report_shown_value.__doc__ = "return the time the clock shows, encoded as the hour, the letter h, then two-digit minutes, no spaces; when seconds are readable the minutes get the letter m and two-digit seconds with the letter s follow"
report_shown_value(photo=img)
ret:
4h20
